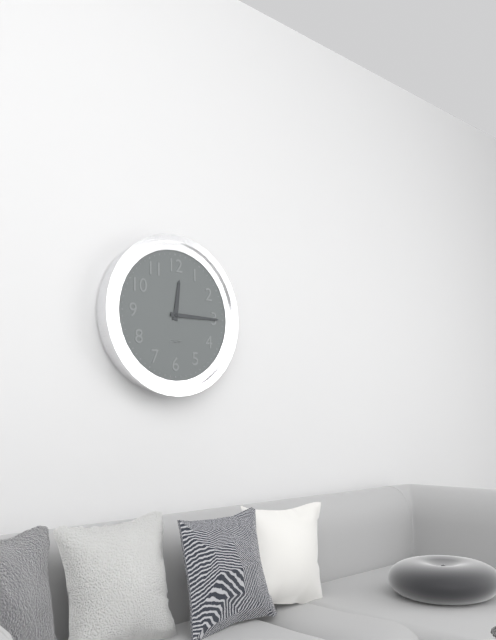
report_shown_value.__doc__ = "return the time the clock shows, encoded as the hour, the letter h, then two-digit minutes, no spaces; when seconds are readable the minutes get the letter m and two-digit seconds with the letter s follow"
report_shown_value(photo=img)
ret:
12h15
